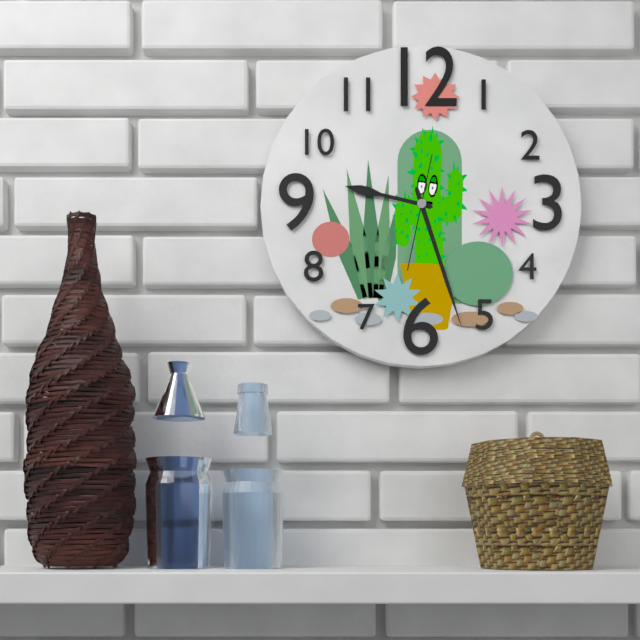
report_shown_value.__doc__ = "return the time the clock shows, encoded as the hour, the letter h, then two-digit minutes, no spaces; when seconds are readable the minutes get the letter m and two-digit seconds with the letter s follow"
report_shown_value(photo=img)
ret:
9h27m32s
